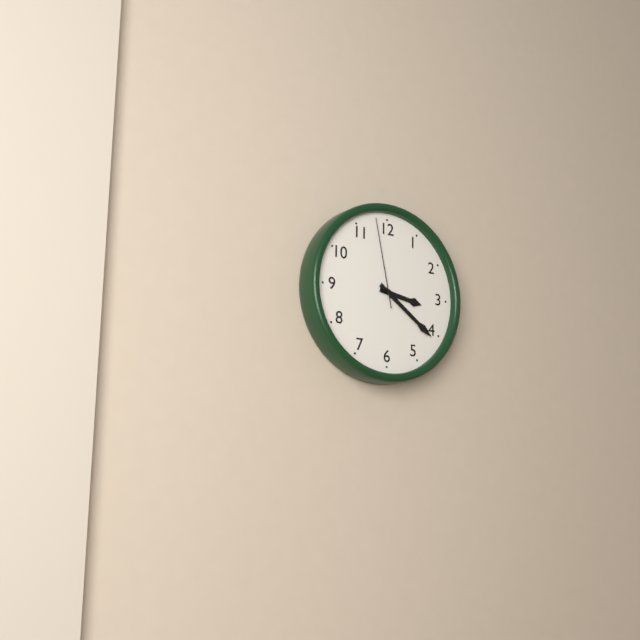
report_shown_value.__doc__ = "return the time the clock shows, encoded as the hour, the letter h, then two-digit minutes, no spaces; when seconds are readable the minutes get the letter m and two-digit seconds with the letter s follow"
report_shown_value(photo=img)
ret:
3h21m58s
